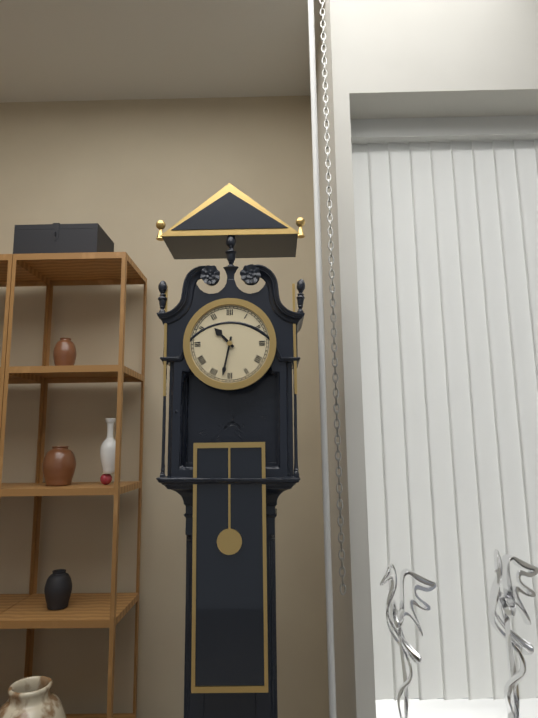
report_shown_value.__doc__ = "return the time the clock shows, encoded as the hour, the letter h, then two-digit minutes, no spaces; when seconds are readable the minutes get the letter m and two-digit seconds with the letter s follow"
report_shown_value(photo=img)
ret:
10h32
